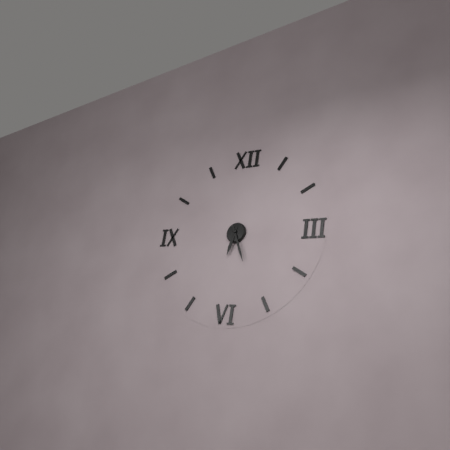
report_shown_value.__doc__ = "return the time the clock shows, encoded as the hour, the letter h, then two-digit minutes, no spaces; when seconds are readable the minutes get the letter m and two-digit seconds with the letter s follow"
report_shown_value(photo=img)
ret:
6h26
